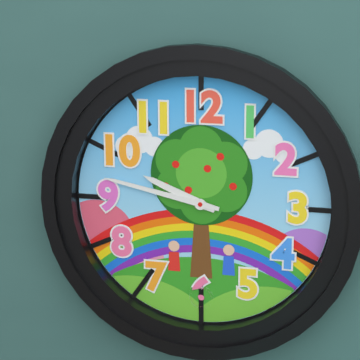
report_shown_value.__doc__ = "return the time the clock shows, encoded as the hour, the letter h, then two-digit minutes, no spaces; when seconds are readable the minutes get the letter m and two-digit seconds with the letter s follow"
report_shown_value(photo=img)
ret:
9h47
